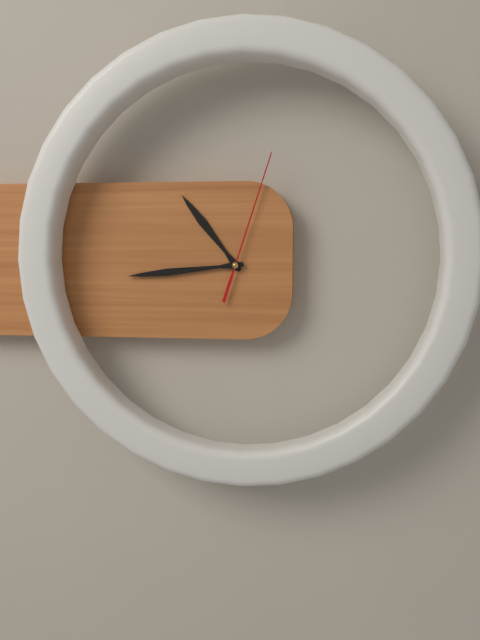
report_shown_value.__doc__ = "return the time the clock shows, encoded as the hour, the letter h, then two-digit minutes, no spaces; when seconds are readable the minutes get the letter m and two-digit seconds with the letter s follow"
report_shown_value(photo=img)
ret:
10h44m03s
